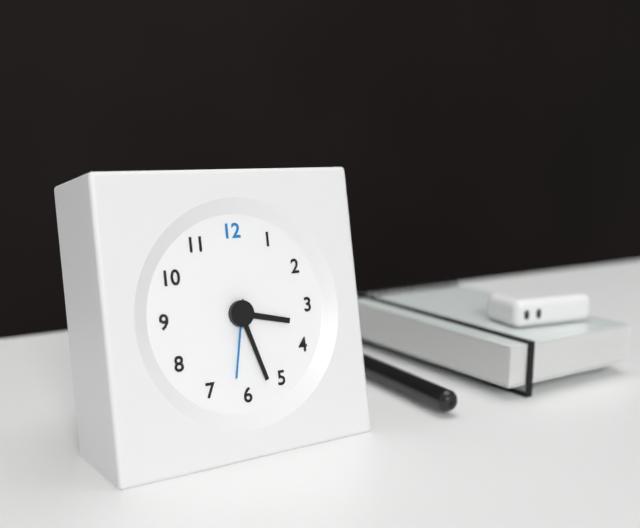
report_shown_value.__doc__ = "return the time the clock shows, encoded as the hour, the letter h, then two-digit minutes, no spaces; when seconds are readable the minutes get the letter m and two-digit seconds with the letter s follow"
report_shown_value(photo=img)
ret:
3h27m32s
